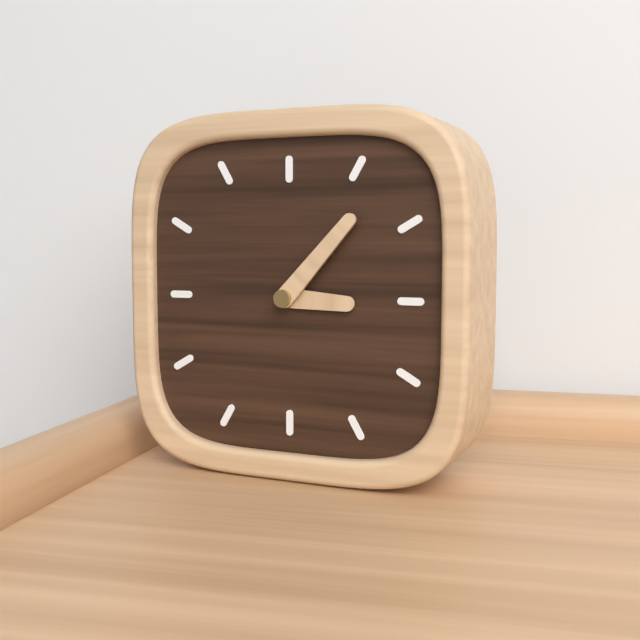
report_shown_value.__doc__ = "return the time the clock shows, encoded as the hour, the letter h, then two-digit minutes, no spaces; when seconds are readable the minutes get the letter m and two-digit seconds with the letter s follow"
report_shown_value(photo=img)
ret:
3h07
